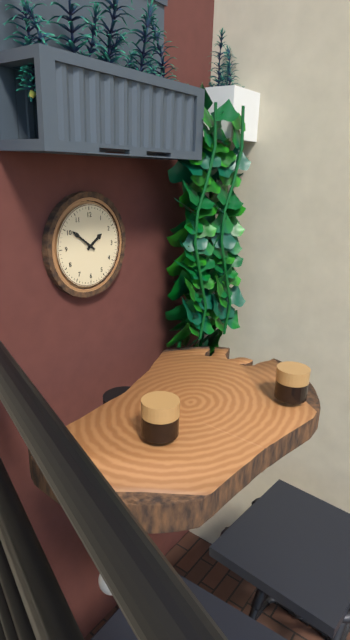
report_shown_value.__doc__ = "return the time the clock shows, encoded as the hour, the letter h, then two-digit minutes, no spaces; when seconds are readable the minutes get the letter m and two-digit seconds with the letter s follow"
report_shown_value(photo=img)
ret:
1h51
